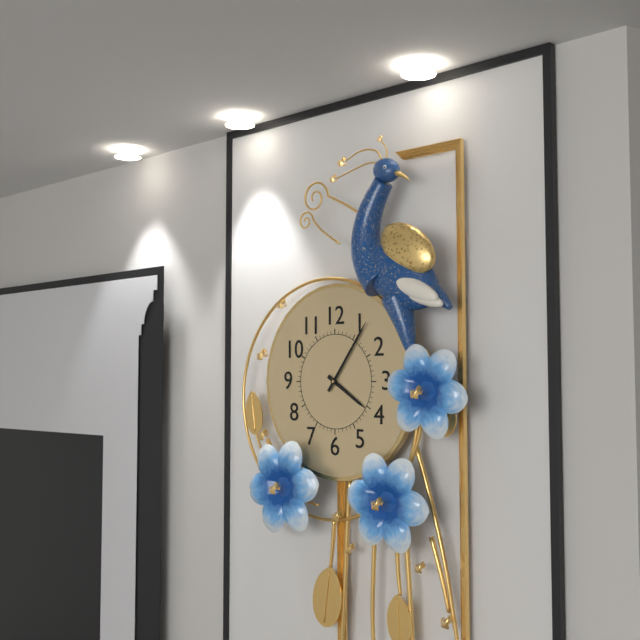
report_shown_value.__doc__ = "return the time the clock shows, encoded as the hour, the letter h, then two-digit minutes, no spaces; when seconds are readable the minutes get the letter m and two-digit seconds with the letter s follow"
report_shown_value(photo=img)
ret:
4h06
